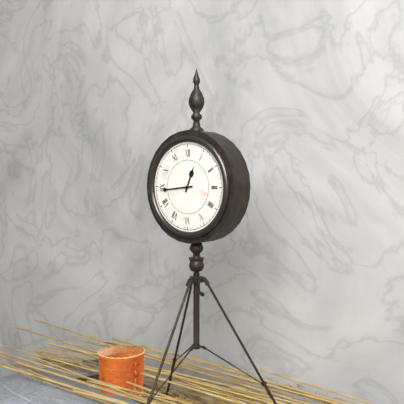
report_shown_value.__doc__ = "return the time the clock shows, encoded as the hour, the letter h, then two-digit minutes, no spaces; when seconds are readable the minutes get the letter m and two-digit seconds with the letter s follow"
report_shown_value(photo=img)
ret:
12h44
